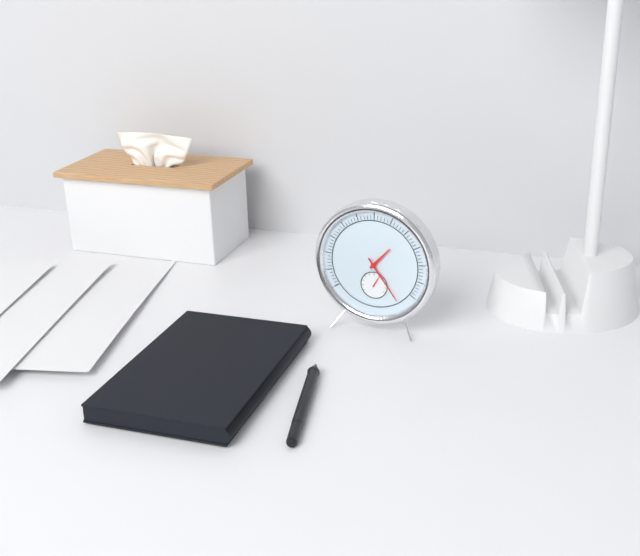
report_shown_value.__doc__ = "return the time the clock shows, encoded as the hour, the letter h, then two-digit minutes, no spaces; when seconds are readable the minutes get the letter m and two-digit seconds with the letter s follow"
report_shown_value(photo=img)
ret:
1h24
